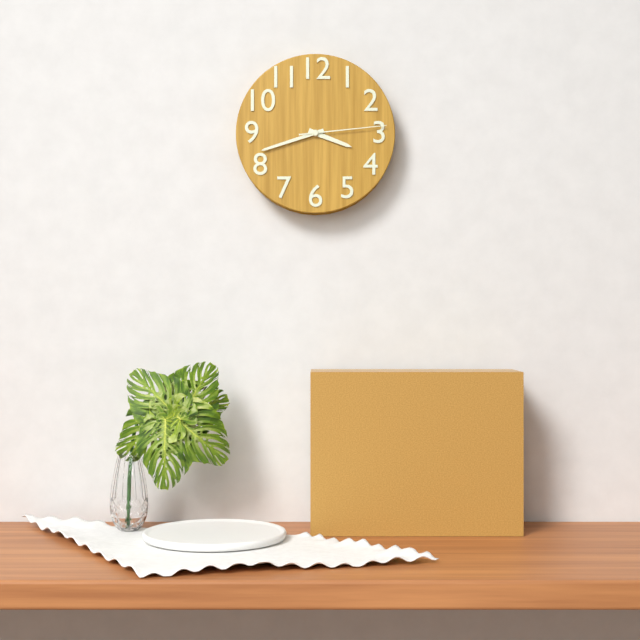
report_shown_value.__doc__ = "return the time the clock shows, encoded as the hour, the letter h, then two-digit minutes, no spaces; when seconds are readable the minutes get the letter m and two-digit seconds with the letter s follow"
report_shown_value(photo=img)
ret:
3h42m14s
